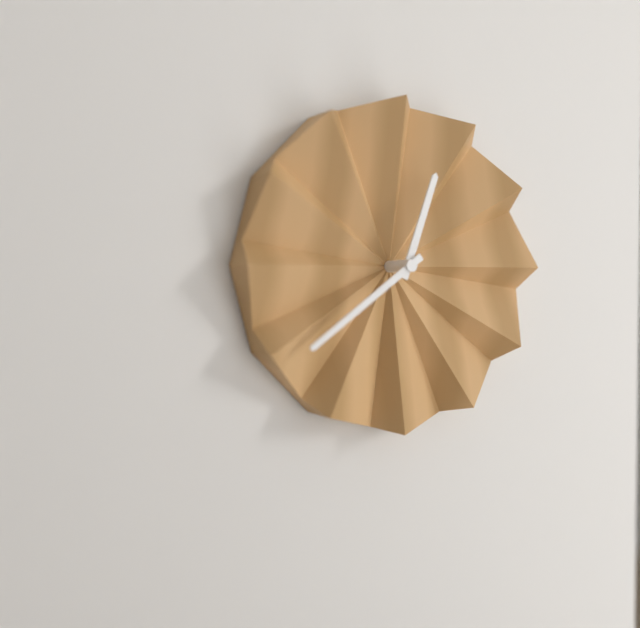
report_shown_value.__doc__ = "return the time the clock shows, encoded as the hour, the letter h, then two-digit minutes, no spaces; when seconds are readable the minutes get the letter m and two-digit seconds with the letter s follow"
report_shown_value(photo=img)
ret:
12h39
